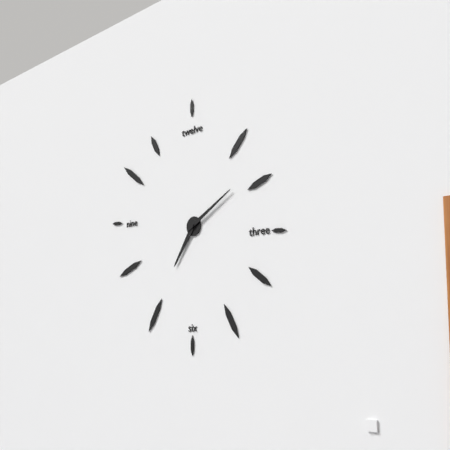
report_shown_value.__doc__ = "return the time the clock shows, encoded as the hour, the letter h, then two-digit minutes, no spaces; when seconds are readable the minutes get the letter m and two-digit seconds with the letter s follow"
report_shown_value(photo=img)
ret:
7h10
